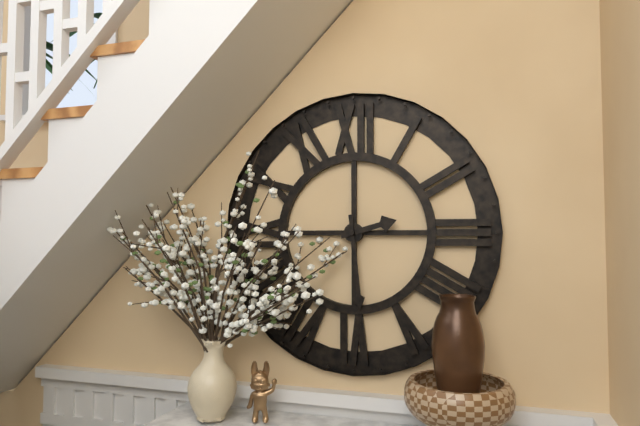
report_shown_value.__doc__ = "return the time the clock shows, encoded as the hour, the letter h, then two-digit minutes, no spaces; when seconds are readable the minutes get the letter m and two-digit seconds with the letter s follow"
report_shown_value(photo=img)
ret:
2h29
